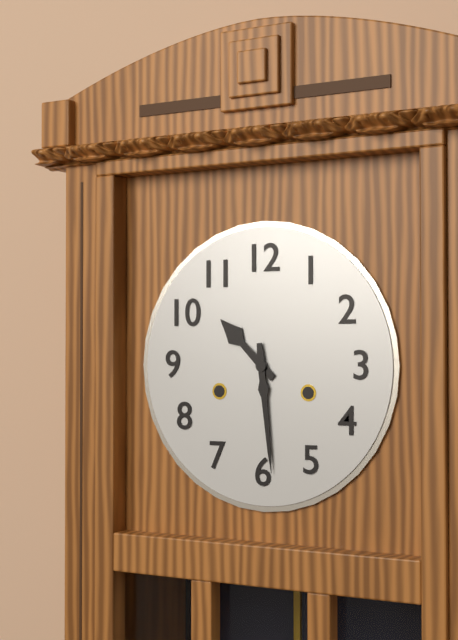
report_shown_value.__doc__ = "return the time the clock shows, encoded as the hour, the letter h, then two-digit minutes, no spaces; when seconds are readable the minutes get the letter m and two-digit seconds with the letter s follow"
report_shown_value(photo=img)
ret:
10h29
